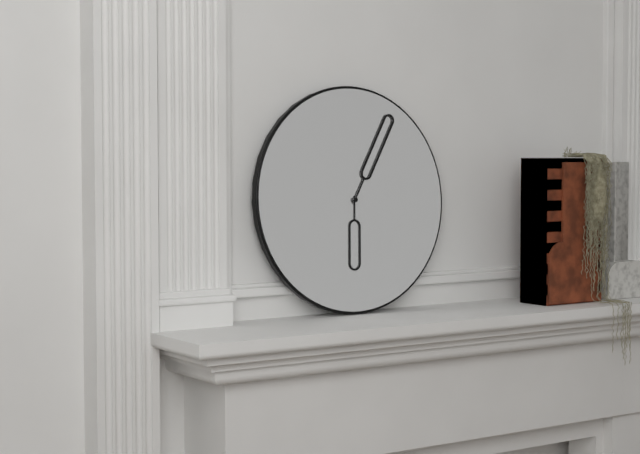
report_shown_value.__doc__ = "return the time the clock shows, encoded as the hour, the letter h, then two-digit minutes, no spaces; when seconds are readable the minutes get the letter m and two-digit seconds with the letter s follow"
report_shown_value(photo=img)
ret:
6h05
